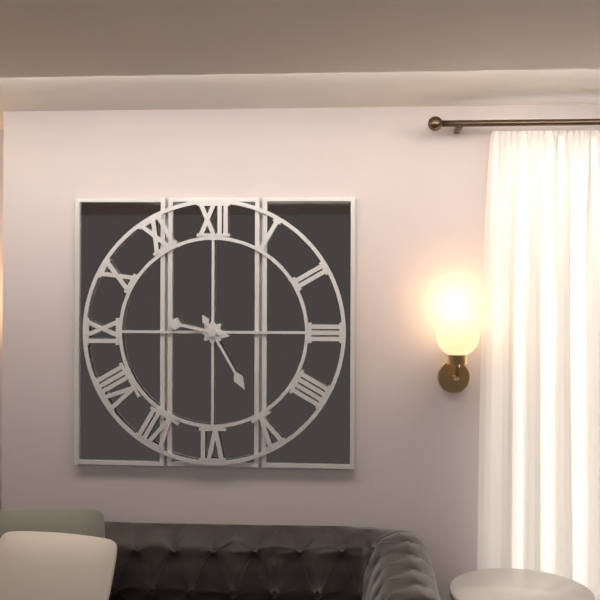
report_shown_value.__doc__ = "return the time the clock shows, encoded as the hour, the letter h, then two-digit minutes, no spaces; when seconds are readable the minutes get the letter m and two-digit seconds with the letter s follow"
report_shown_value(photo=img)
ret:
9h25
